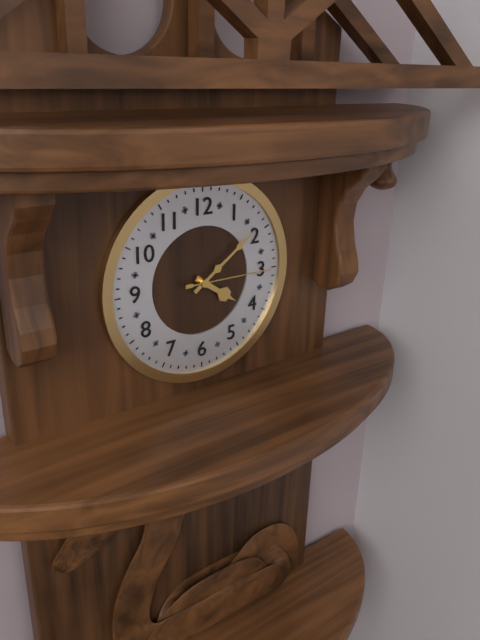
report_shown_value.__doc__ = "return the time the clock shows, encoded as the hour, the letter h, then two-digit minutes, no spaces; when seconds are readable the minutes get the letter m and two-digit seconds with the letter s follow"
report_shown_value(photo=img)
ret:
4h09m15s
